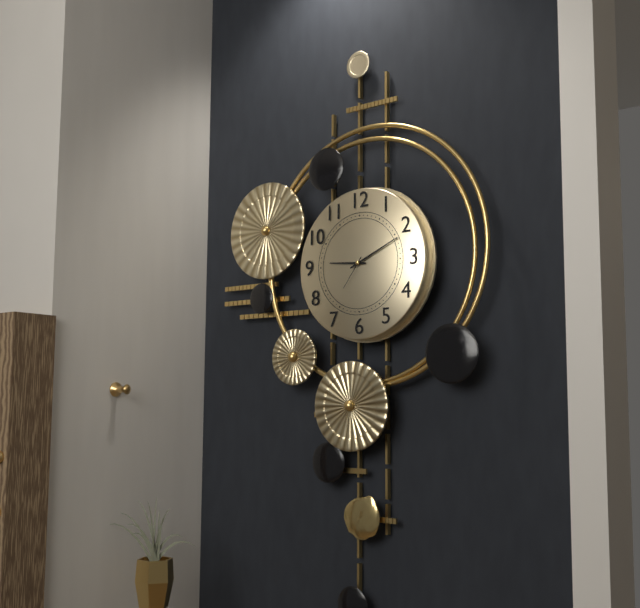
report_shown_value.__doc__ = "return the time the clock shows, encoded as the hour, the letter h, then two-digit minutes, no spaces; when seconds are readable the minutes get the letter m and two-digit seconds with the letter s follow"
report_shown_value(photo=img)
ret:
9h11
